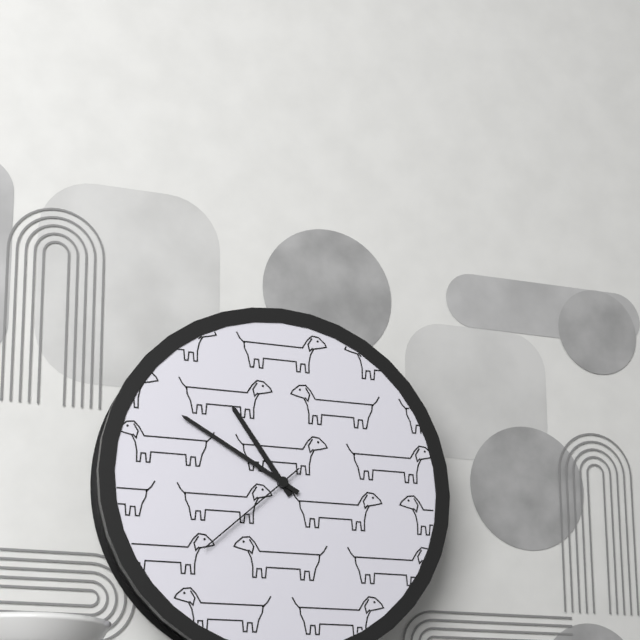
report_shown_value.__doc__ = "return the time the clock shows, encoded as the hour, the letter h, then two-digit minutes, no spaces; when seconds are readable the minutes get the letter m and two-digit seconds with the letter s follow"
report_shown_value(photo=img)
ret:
10h50m38s
